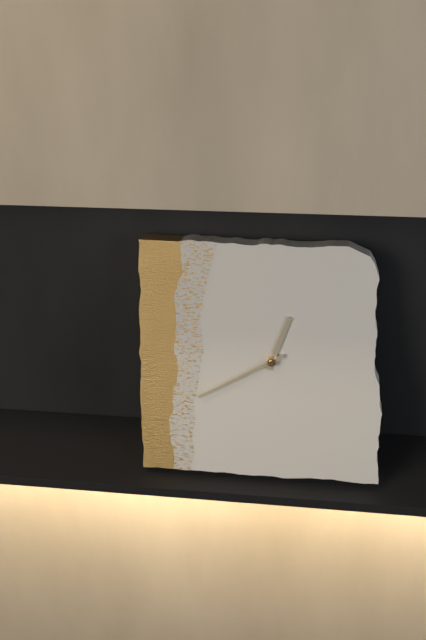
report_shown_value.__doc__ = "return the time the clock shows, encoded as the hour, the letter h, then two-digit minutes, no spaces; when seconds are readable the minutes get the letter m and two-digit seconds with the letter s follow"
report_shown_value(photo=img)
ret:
12h40
